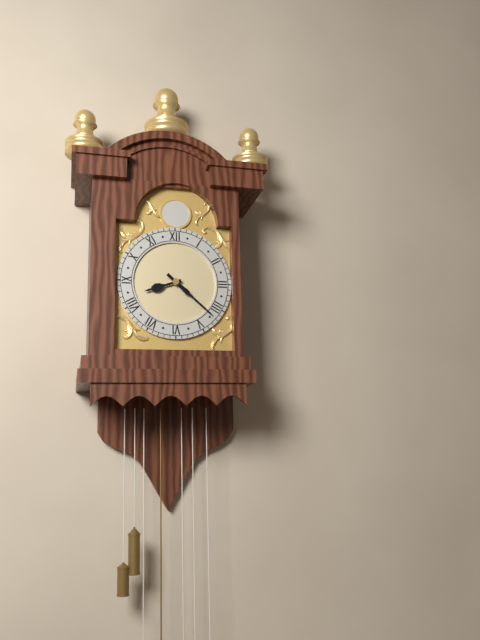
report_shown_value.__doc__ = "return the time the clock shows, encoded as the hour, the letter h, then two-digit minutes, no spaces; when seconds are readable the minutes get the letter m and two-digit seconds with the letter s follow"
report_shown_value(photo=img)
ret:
8h22
